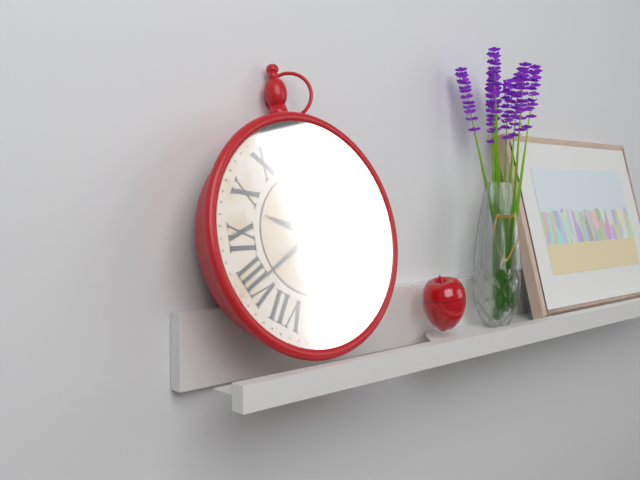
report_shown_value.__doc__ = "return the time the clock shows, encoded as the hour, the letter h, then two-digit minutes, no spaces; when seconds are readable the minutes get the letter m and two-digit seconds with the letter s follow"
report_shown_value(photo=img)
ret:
9h40
